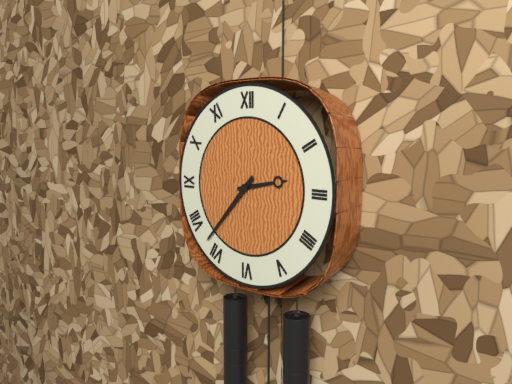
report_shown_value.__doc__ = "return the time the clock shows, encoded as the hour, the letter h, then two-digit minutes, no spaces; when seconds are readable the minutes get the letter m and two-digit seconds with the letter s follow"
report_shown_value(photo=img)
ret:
2h37
